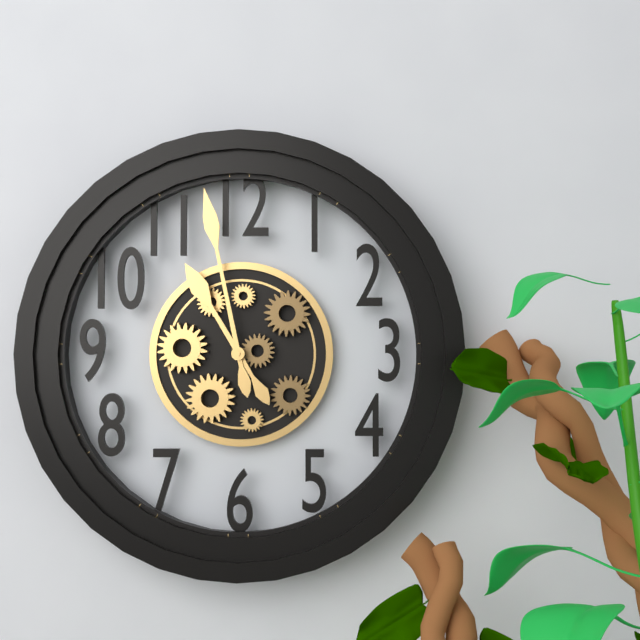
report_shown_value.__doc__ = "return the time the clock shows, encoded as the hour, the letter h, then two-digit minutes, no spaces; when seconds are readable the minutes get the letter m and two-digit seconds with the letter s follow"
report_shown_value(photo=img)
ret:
10h58
